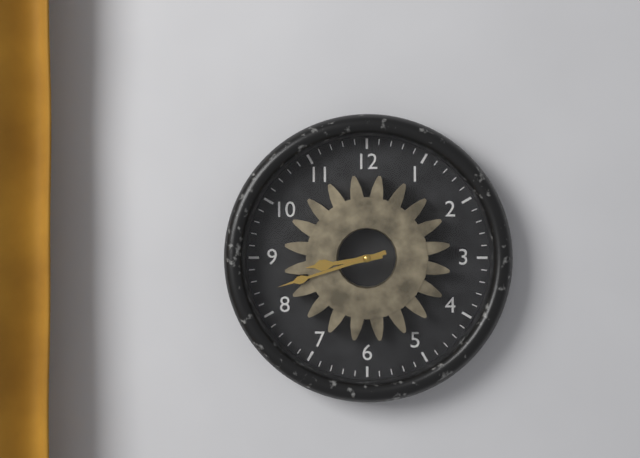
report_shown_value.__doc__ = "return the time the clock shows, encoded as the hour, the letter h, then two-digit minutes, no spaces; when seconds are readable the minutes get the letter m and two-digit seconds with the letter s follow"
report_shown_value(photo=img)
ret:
8h42
